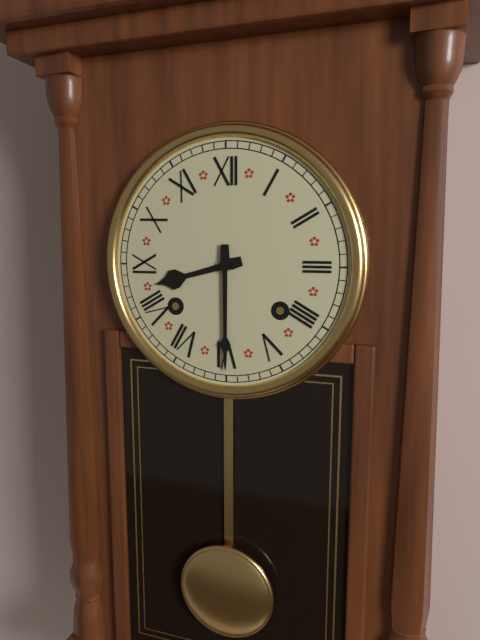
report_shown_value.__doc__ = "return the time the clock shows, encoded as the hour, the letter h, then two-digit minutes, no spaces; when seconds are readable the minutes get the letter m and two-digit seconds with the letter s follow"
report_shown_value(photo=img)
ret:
8h30
